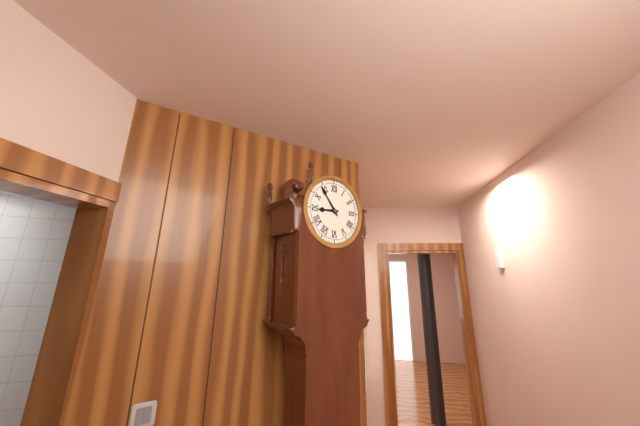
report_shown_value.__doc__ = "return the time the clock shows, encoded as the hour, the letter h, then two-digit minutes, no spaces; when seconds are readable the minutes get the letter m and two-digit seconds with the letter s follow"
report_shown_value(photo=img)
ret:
8h54
